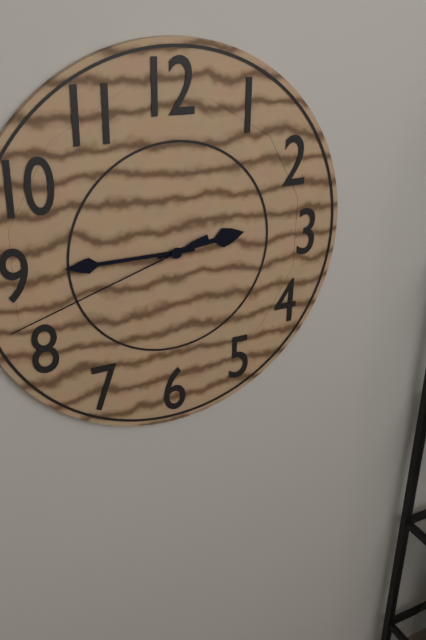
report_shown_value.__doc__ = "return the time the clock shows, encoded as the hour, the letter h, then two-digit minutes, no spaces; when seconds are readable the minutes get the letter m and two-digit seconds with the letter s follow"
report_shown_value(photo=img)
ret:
2h45m42s
